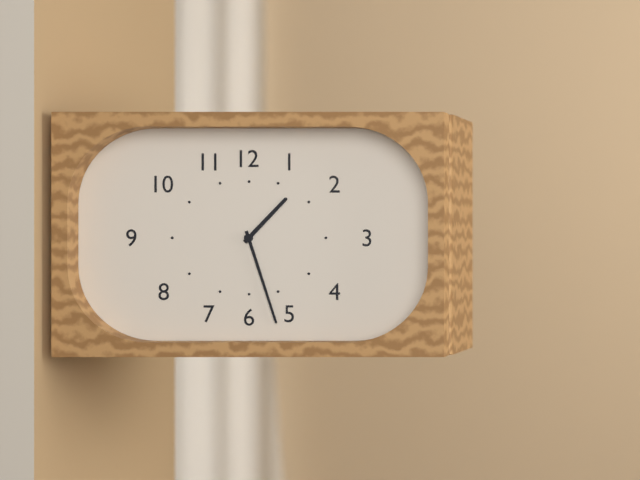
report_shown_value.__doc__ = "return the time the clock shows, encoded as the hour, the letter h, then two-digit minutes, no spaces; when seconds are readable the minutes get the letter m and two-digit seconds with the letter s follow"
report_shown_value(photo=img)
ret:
1h27
